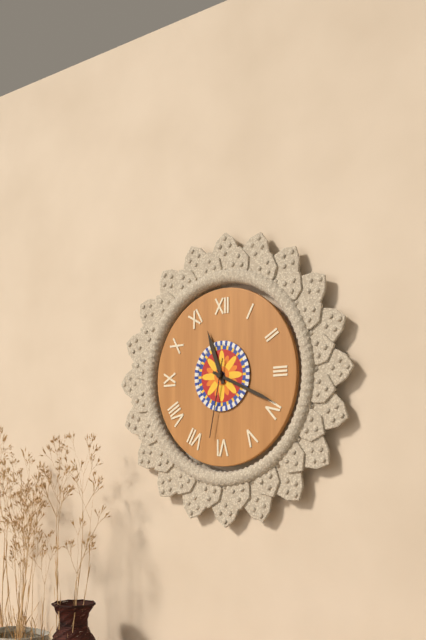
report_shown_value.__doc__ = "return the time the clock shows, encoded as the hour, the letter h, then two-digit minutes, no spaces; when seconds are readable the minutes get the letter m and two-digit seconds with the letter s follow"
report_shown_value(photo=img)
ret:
11h19m32s
